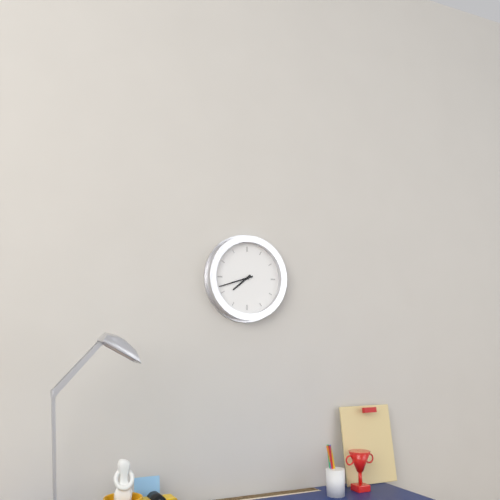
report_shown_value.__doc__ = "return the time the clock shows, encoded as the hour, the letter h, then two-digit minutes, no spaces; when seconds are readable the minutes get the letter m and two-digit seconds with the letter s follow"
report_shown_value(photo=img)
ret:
7h42
